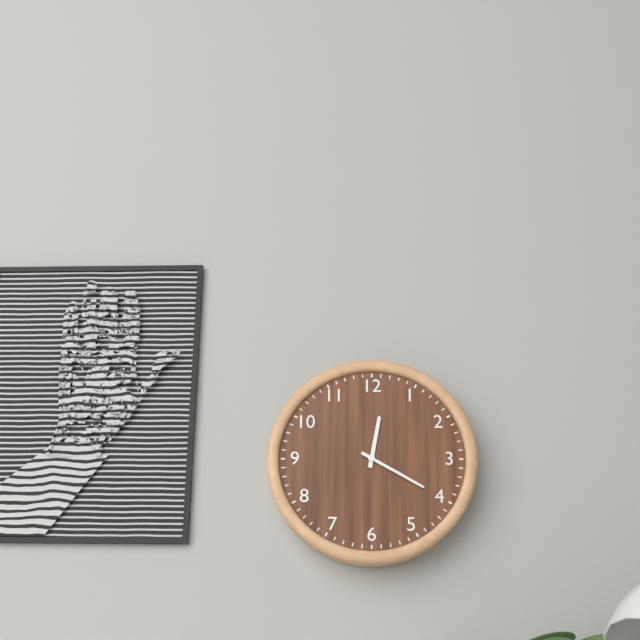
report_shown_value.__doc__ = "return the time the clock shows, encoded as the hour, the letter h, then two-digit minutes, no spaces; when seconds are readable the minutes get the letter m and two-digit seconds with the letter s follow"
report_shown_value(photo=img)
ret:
12h20
